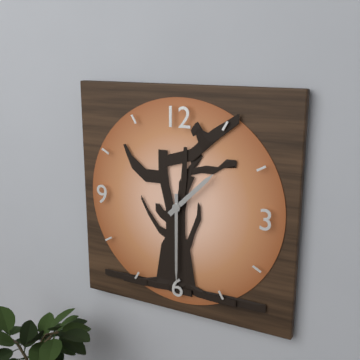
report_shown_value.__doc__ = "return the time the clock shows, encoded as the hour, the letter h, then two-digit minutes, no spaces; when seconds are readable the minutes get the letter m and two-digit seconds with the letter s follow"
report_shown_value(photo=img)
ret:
1h30
